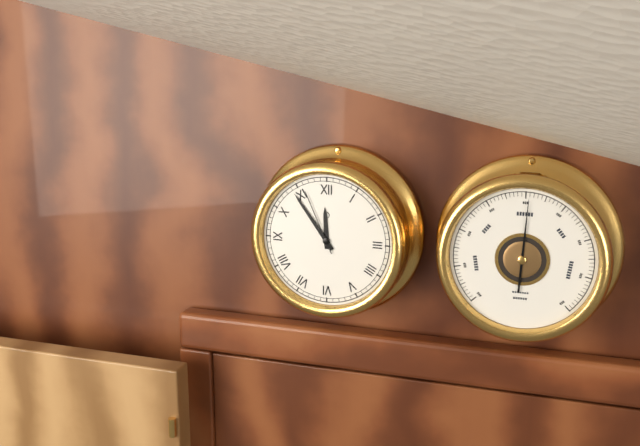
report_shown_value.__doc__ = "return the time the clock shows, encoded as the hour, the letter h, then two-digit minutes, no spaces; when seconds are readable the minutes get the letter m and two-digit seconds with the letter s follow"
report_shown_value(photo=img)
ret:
11h54m56s
